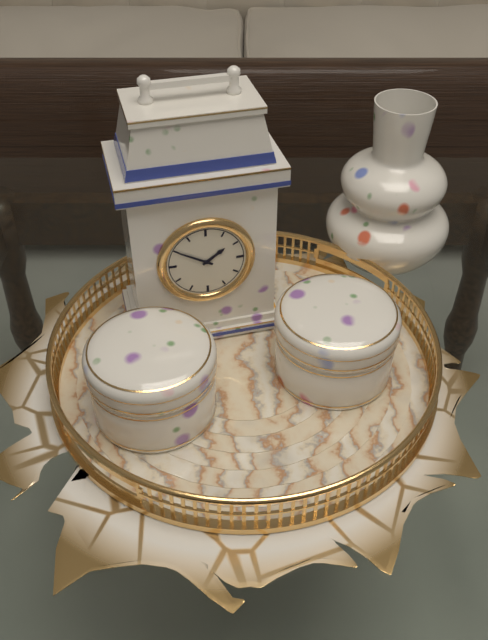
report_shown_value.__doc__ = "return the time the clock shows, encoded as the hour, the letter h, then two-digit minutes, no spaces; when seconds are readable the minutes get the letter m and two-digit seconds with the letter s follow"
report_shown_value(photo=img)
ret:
1h50
